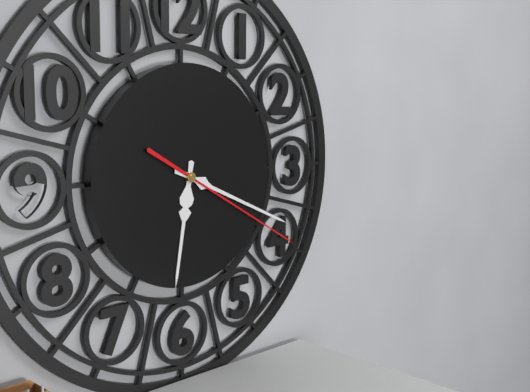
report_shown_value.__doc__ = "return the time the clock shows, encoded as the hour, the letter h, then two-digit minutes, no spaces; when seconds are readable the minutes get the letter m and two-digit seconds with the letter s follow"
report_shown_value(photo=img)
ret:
6h19m20s
